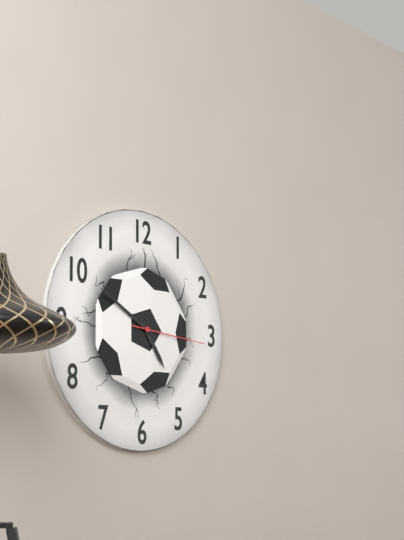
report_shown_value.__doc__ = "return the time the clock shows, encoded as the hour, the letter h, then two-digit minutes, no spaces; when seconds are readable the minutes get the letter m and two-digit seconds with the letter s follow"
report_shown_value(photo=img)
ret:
4h50m16s
